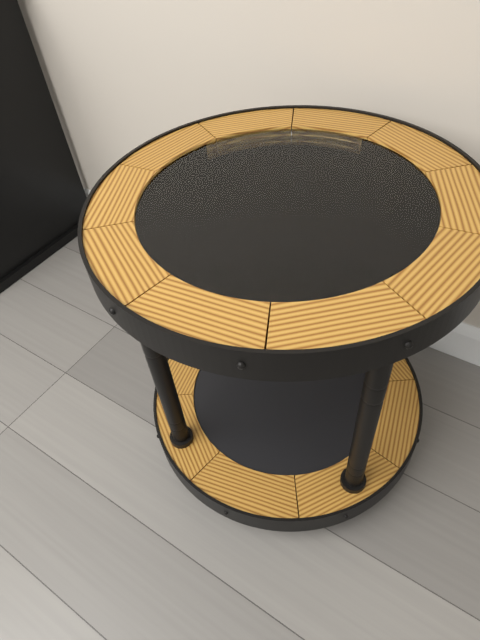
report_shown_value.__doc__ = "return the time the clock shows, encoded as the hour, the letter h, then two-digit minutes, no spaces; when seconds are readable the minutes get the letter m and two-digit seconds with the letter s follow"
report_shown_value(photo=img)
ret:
1h03
